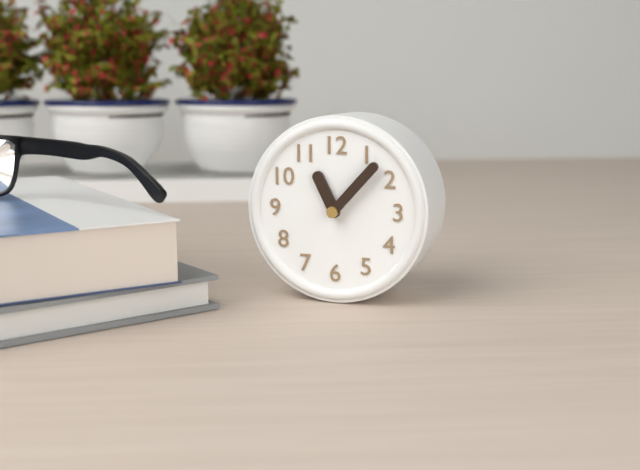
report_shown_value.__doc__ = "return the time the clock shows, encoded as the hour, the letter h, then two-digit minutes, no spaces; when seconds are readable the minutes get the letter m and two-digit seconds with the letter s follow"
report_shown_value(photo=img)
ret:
11h07
